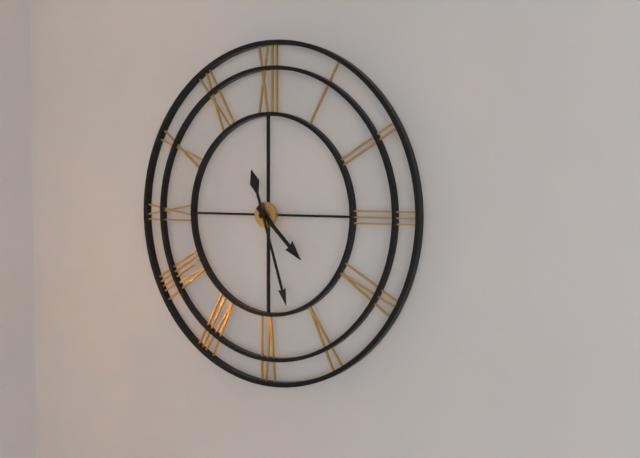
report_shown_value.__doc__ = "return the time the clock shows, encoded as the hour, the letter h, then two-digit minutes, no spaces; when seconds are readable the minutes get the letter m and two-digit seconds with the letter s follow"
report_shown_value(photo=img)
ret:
4h27
